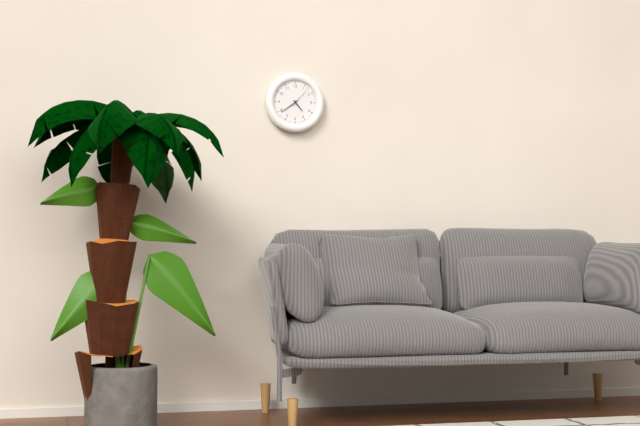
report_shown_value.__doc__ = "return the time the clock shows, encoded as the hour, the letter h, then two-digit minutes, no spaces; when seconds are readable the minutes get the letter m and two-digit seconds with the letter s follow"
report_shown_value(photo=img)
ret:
4h39
